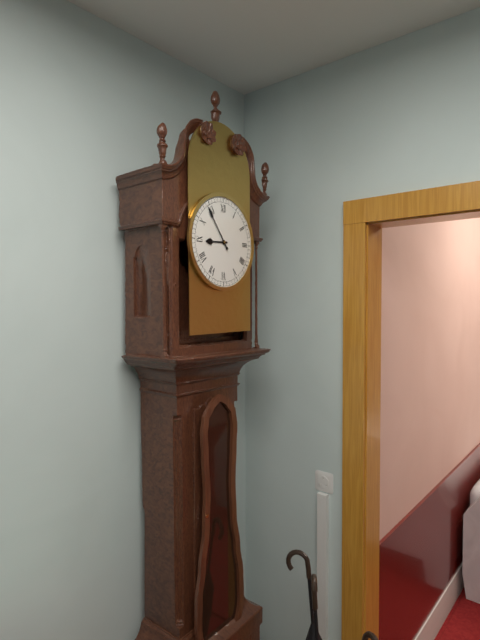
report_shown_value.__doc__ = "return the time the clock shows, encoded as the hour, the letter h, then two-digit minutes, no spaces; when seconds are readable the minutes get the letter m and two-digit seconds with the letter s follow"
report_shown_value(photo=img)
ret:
8h54
